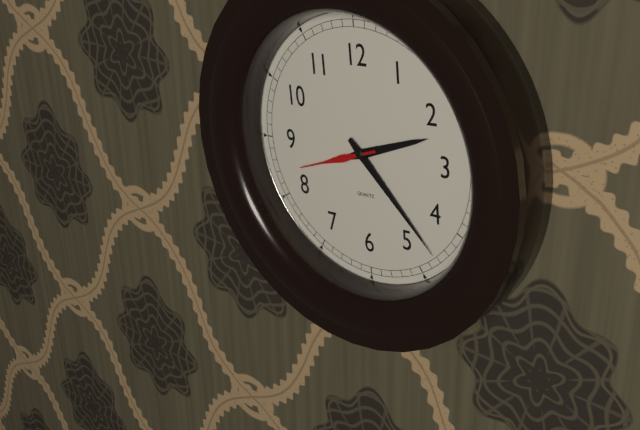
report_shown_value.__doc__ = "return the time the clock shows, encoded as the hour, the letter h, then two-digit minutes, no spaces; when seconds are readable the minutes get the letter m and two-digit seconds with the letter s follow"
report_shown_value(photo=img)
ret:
2h23m42s
